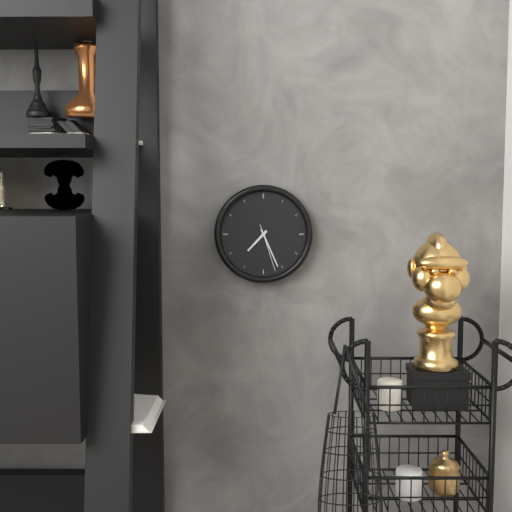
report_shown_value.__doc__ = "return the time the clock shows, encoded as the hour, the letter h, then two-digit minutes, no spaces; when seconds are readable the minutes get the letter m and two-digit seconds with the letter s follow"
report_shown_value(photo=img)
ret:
7h26
